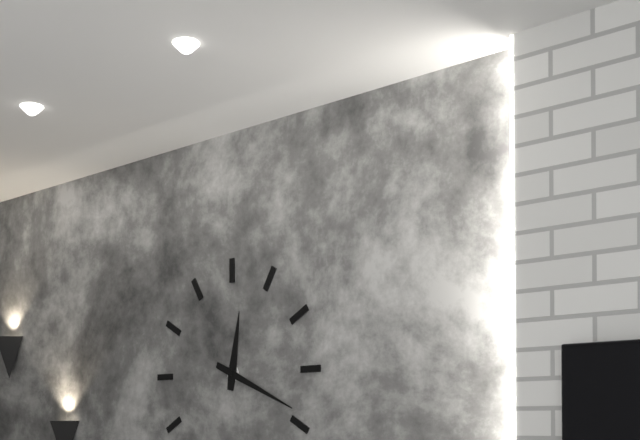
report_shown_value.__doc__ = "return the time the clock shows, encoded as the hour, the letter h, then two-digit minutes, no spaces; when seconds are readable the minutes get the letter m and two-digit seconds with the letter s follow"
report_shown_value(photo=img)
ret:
12h19
